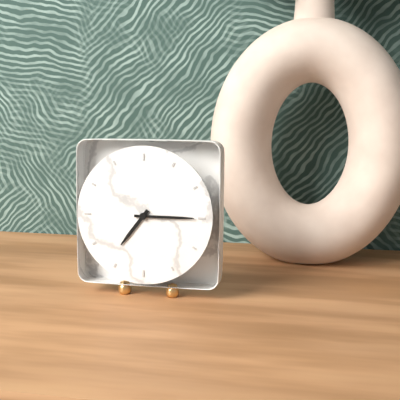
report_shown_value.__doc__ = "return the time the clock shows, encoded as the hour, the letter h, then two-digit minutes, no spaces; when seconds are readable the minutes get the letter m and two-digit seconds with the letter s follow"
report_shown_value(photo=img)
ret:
7h15
